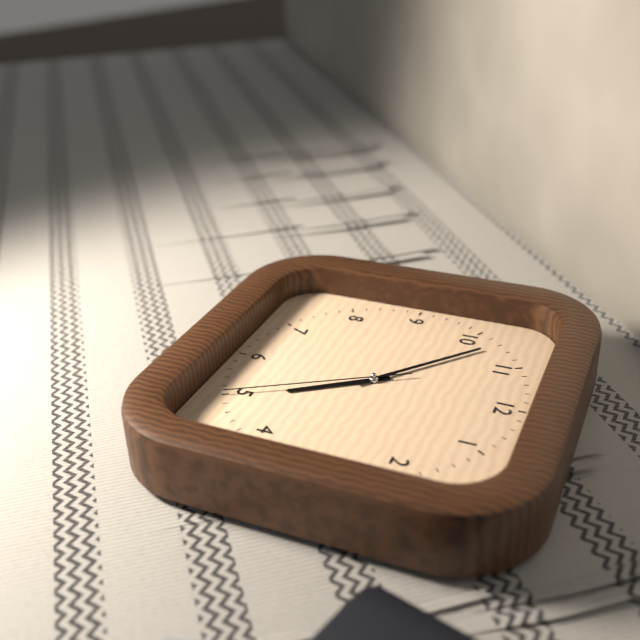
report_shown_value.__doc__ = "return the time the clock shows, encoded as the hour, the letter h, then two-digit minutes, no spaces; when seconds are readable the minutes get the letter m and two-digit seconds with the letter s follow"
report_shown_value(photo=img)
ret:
4h52m25s
